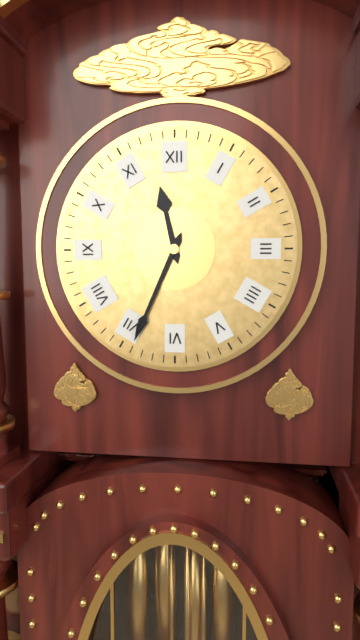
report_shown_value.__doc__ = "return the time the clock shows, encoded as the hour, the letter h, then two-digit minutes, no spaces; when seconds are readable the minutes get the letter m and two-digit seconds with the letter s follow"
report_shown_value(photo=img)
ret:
11h34
